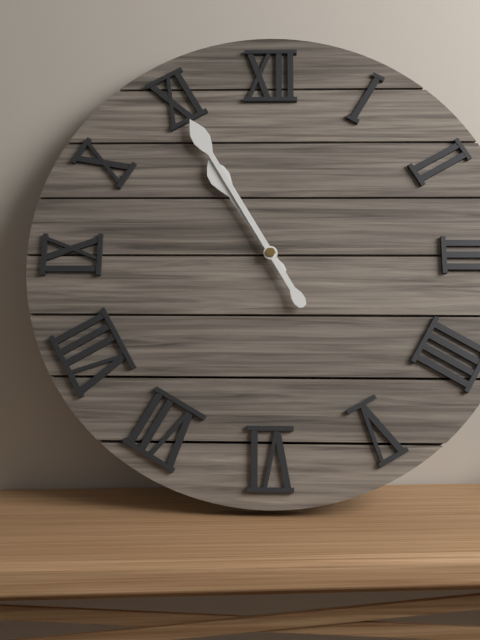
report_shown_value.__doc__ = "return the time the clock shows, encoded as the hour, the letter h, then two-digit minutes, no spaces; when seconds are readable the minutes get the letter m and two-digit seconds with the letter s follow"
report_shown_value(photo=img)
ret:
10h55
